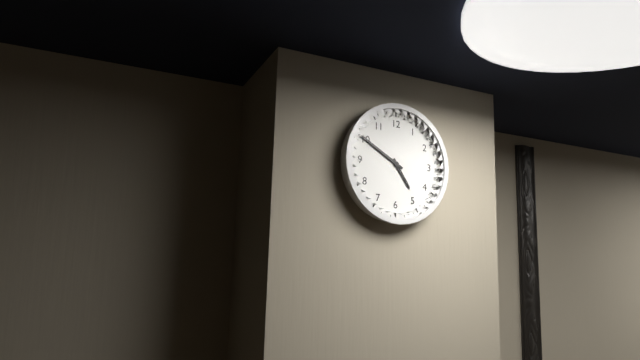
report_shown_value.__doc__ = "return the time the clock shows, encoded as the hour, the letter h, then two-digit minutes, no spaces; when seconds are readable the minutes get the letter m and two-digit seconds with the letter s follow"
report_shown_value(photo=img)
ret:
4h50
